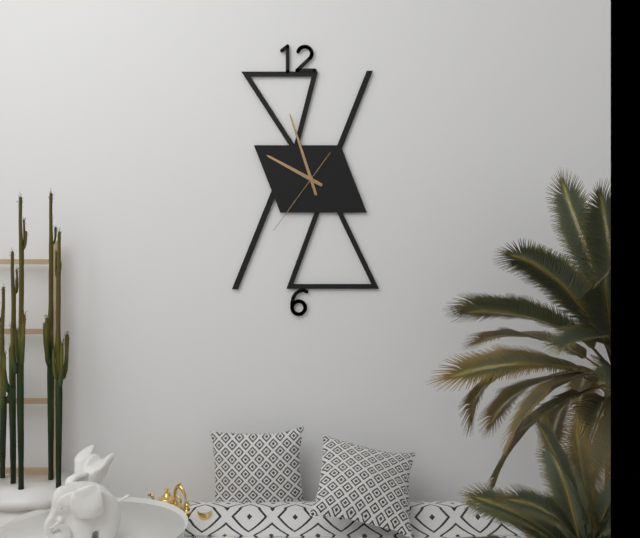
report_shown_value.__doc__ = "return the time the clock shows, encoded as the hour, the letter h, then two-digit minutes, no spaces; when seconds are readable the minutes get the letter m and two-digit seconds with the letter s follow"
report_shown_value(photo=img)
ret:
9h57m36s
